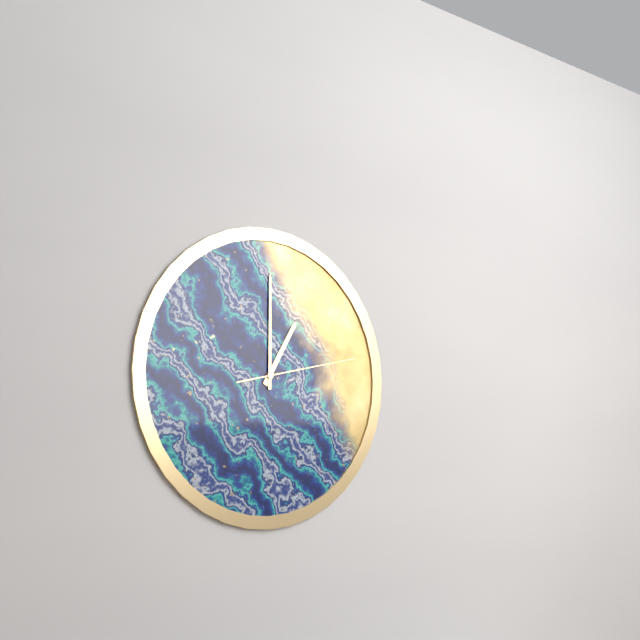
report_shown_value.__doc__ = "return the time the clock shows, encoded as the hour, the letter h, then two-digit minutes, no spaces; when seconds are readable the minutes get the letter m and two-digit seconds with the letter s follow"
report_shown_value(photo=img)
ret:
1h00m13s
